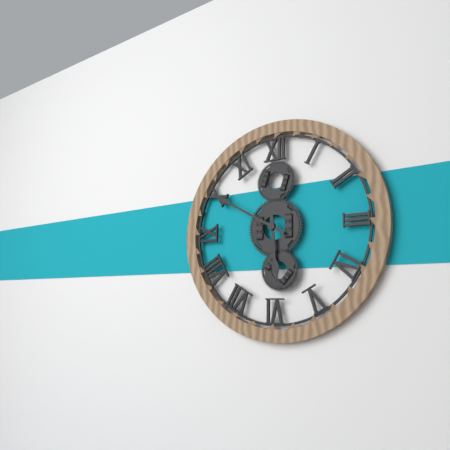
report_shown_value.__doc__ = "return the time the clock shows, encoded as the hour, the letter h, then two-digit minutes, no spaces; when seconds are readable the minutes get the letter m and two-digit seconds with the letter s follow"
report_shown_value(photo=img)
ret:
5h50
